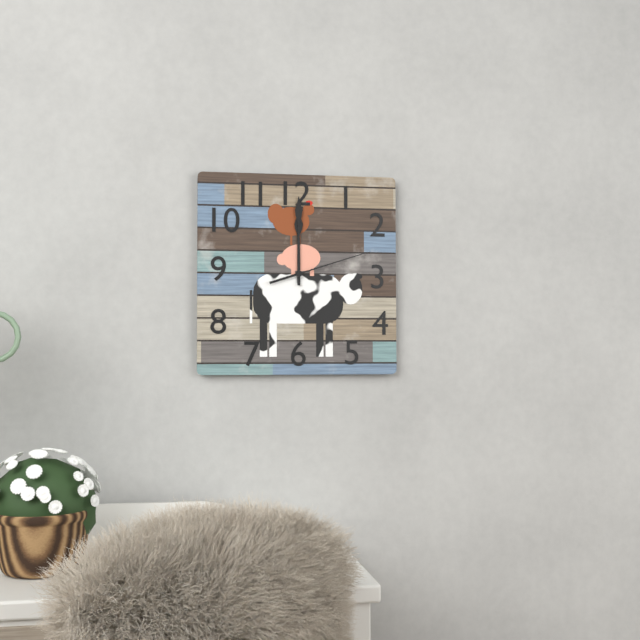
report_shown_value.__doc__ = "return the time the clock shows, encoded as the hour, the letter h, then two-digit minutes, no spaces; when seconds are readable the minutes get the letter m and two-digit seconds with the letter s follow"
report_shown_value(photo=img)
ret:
12h00m12s
